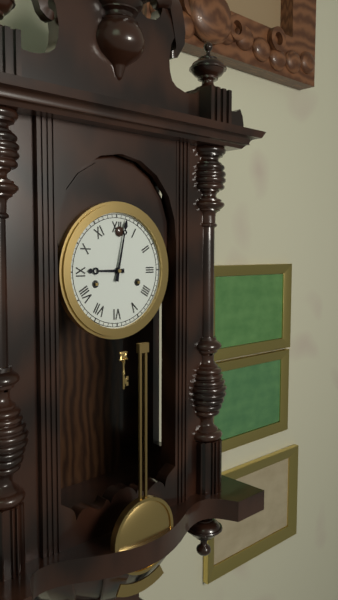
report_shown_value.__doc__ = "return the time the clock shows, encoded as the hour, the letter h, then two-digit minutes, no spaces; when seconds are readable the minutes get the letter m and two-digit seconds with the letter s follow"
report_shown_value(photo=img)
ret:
9h02
